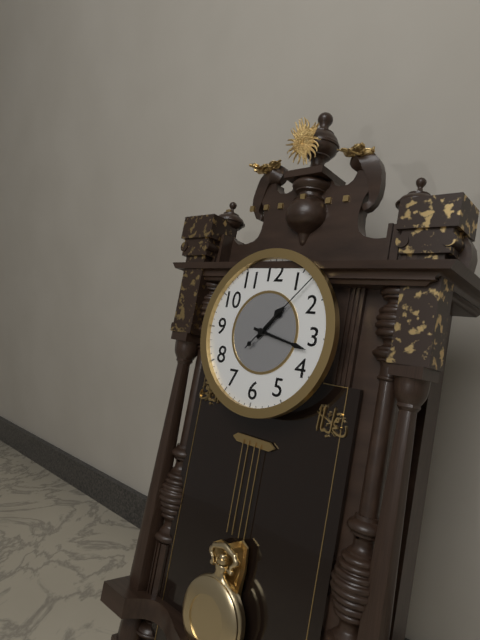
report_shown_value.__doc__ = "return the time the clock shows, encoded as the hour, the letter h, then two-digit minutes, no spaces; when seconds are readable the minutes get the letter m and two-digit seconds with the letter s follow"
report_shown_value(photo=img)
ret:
1h17m07s
